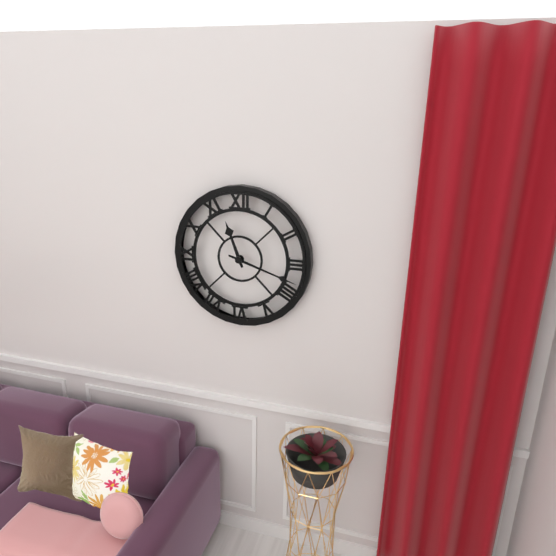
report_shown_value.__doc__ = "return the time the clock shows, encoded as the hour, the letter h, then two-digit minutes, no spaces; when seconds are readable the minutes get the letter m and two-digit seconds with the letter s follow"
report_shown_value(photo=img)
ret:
11h18
